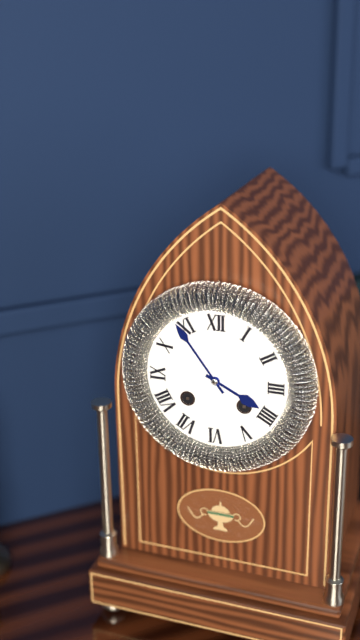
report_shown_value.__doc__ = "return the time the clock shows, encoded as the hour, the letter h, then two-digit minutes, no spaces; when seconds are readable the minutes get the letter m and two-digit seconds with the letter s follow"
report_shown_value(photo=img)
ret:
3h54
